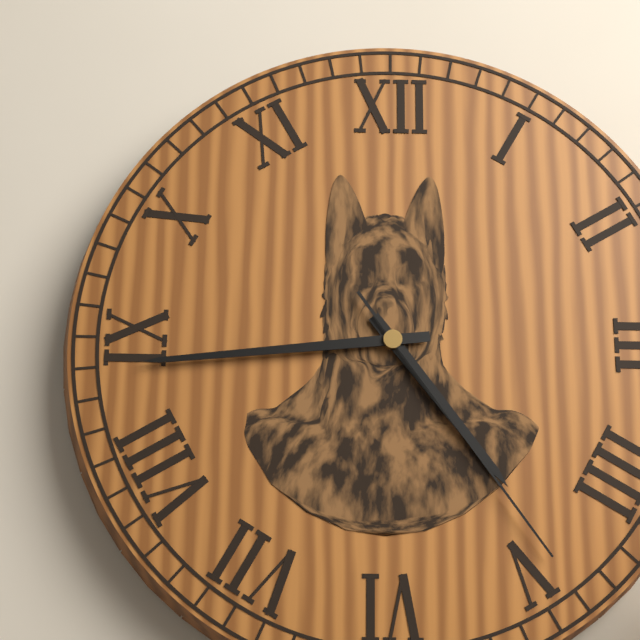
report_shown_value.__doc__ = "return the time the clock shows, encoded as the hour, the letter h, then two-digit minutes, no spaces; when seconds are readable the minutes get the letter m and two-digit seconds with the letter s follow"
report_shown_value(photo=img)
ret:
4h44m24s
